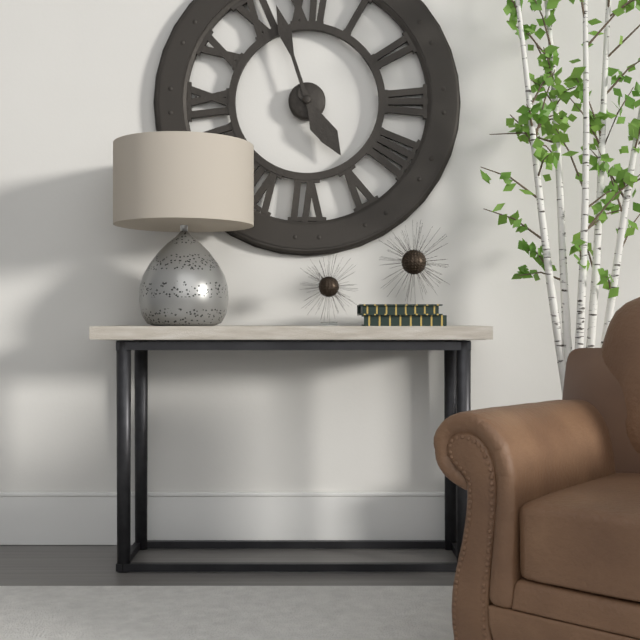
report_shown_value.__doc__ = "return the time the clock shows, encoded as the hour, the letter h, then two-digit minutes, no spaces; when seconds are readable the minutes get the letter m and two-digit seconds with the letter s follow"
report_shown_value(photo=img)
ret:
4h57
